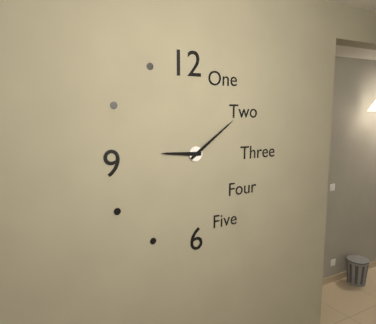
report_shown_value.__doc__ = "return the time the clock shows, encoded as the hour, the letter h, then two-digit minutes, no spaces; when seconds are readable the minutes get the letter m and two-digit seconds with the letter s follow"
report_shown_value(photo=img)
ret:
9h09
